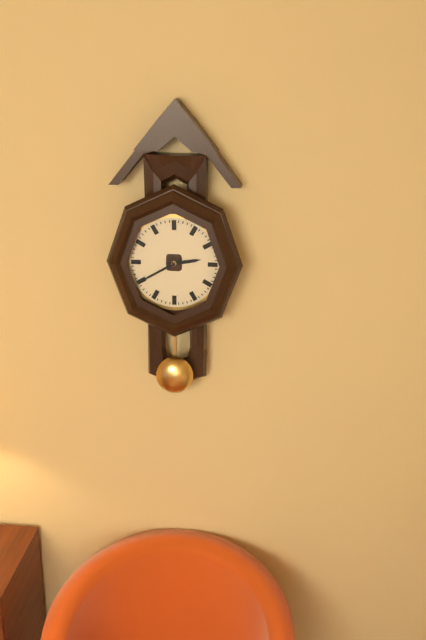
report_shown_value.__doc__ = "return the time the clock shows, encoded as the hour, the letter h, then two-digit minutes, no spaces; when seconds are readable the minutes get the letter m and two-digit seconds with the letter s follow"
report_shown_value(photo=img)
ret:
2h40
